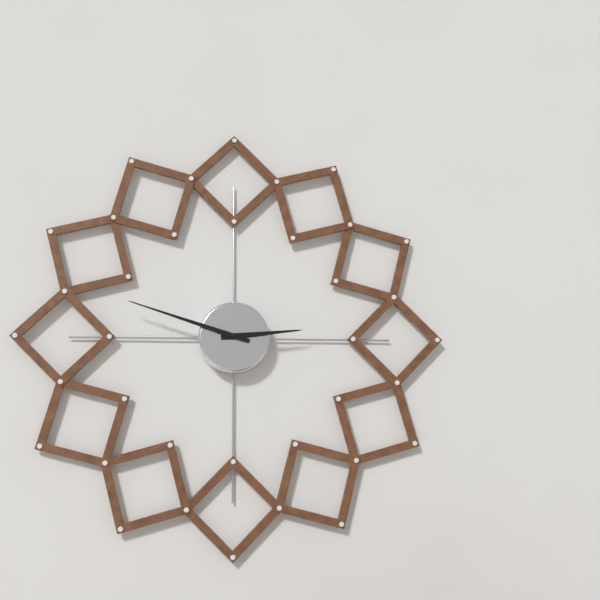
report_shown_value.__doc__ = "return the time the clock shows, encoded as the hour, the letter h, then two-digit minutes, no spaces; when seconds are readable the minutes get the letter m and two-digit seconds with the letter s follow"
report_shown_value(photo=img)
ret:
2h48
